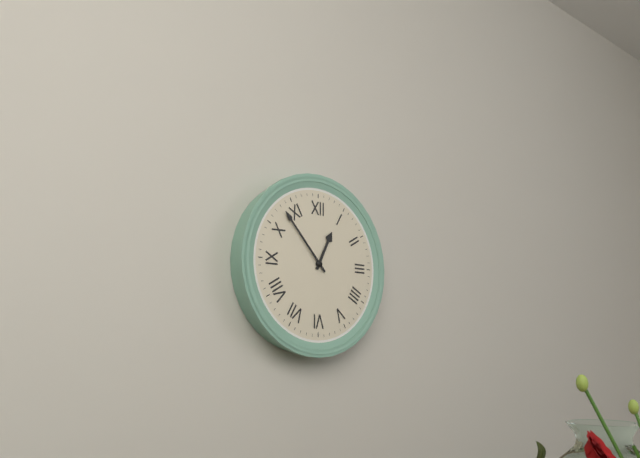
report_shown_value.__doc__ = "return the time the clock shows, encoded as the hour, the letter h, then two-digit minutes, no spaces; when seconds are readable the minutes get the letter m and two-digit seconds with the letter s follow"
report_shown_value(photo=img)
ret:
12h53
